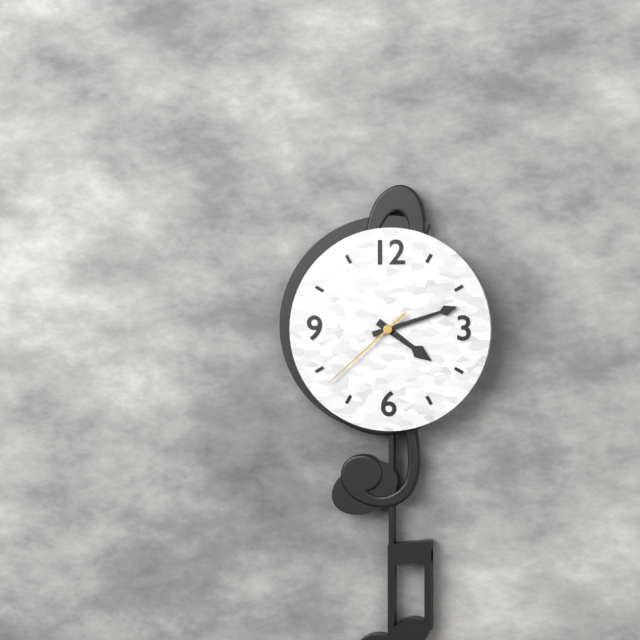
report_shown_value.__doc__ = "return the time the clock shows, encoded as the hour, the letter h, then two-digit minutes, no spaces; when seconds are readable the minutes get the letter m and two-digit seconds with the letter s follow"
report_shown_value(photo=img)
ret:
4h12m38s
